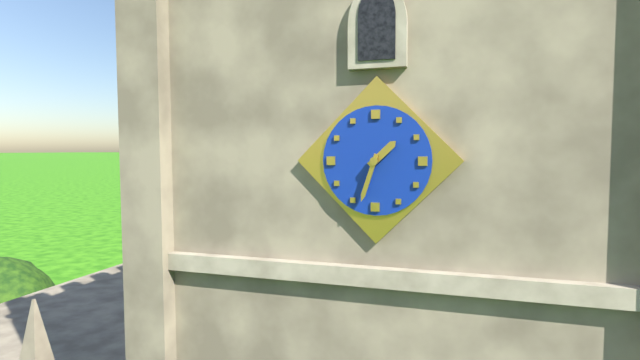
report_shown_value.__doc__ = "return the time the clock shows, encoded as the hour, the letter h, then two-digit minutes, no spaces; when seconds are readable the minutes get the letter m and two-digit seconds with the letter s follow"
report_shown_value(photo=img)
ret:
1h33
